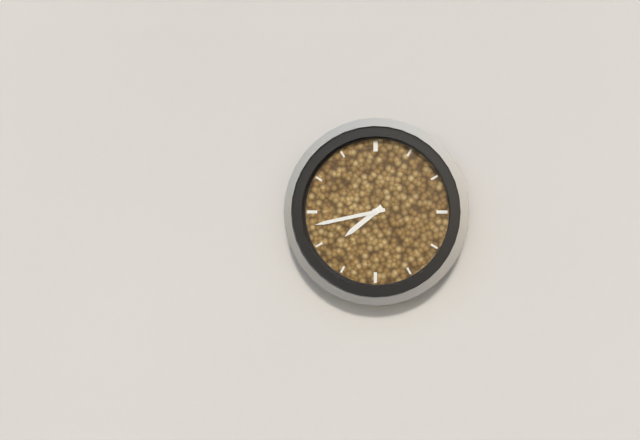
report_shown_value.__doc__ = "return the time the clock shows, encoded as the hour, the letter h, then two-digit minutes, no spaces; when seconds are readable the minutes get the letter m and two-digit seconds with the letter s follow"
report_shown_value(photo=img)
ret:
7h43
